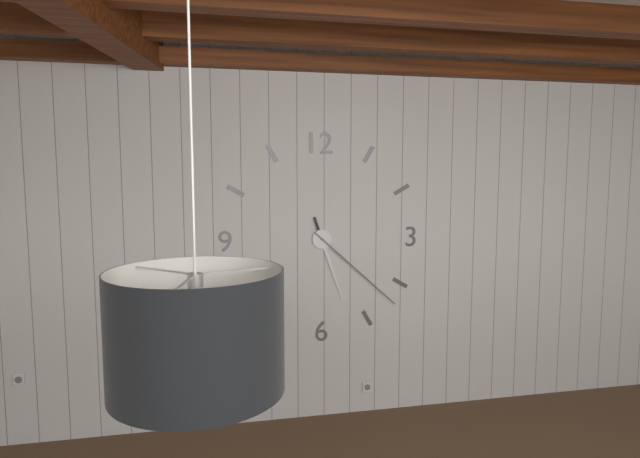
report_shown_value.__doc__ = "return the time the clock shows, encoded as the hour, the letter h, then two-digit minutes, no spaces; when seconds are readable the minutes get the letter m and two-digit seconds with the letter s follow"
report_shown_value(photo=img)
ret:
5h22
